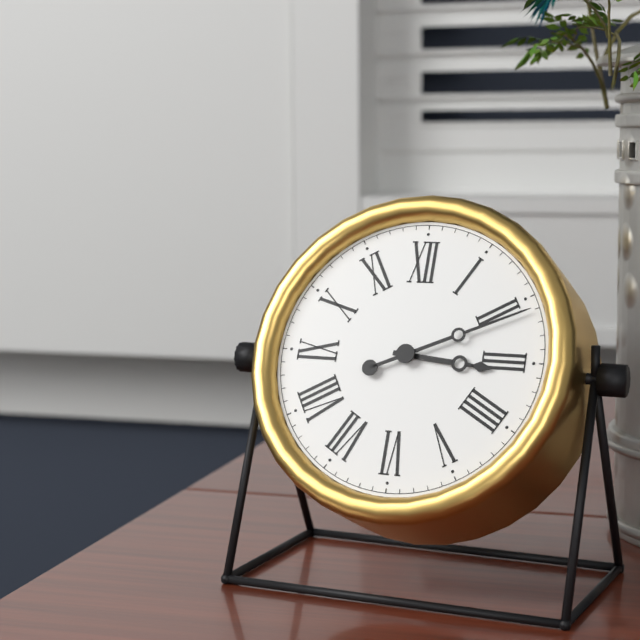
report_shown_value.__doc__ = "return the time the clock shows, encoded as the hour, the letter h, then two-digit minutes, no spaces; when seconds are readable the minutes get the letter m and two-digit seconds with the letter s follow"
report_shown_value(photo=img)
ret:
3h11
